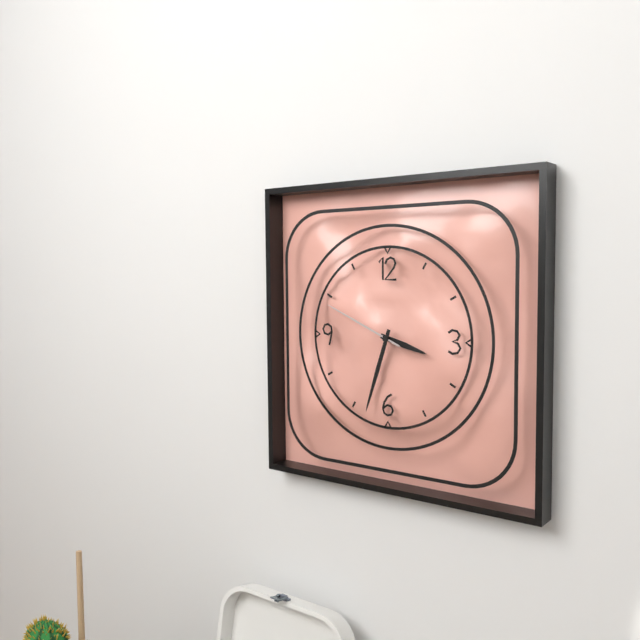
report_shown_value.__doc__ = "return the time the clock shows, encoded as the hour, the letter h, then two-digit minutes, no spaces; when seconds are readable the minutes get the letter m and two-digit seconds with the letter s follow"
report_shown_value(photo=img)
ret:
3h33m49s
